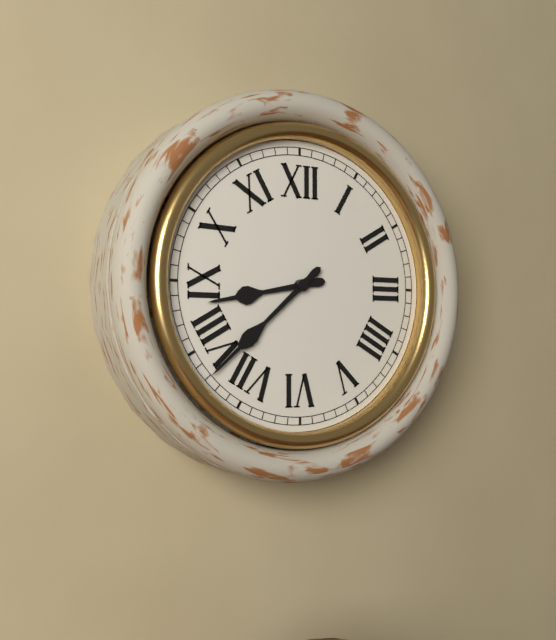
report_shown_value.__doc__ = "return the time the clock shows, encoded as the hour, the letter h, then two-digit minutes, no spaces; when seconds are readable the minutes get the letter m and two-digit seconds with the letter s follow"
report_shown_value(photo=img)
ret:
8h38
